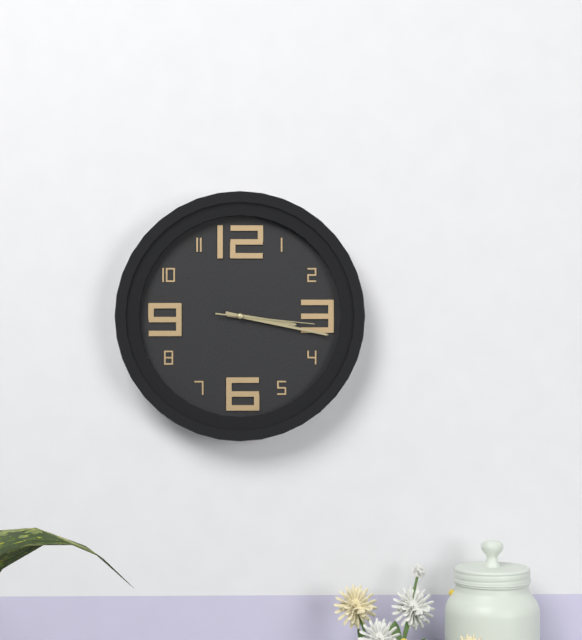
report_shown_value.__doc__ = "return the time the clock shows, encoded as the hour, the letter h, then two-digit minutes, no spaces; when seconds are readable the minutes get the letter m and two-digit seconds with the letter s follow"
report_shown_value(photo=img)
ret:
3h17m16s
